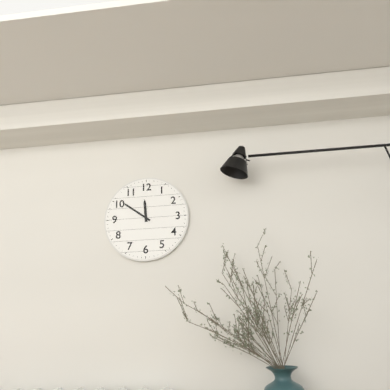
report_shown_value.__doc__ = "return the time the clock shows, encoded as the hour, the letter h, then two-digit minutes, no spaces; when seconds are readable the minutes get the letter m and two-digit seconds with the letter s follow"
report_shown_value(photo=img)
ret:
11h51
